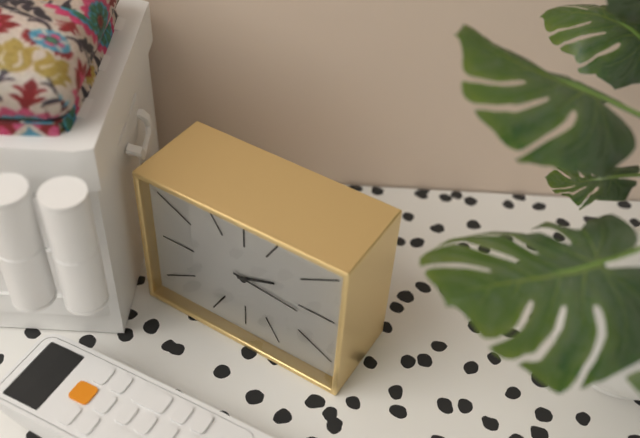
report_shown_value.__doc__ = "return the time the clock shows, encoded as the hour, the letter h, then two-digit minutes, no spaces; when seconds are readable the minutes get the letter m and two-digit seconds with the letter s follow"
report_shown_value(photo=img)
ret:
2h16
